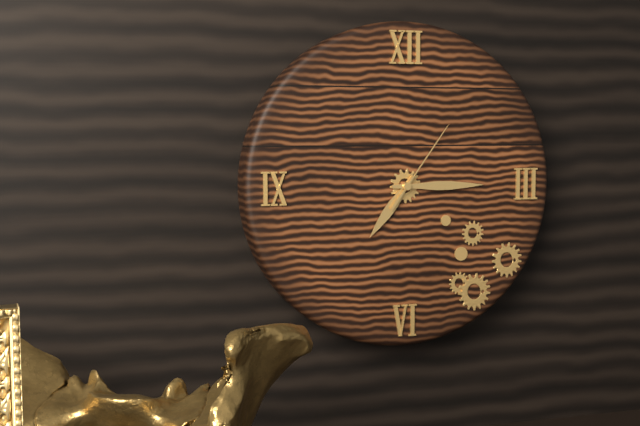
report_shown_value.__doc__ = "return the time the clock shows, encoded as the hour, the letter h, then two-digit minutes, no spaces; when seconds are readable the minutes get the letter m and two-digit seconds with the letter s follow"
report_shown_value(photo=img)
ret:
7h15m06s
